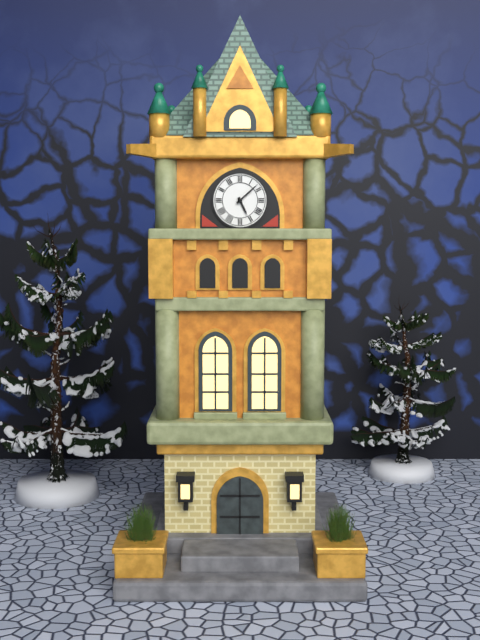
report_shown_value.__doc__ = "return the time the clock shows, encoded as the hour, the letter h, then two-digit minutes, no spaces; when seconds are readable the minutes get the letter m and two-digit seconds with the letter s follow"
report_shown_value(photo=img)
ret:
5h08
